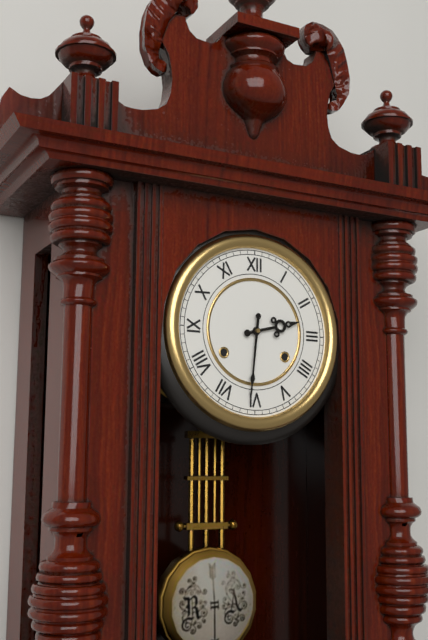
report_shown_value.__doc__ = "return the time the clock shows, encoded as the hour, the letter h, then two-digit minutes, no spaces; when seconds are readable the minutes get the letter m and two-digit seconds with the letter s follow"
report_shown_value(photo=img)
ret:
2h31
